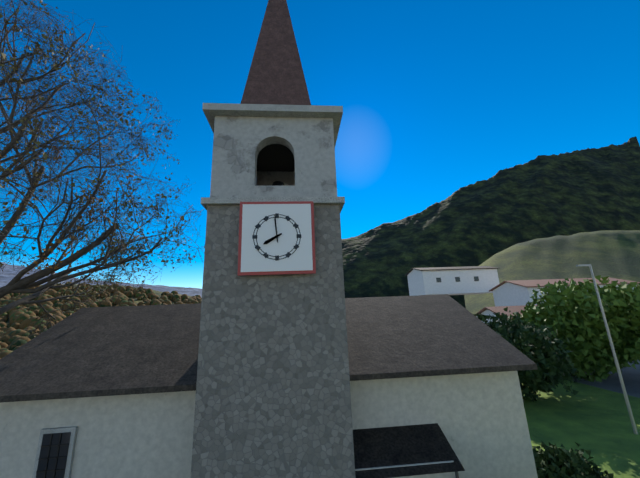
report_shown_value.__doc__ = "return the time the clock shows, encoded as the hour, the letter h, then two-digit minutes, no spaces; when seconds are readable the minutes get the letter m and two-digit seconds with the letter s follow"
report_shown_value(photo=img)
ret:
7h59
